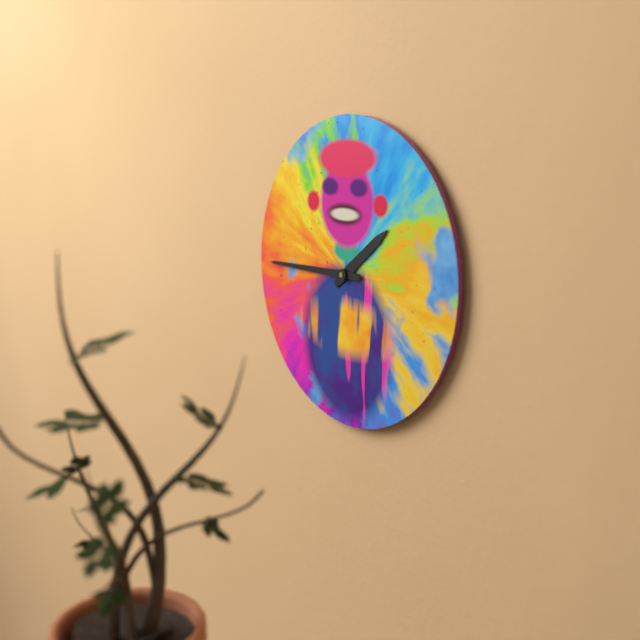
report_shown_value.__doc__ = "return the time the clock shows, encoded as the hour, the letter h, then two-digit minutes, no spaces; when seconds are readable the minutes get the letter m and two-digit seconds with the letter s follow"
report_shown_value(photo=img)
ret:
1h45
